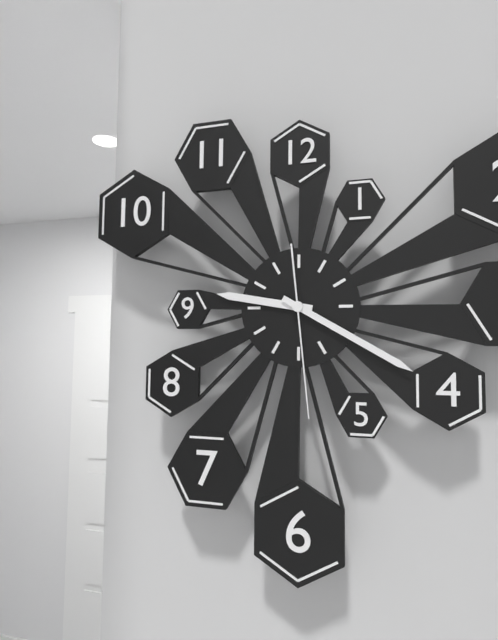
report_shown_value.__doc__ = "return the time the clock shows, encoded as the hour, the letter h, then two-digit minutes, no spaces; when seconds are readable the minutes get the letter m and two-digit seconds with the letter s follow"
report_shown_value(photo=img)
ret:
9h20m29s
